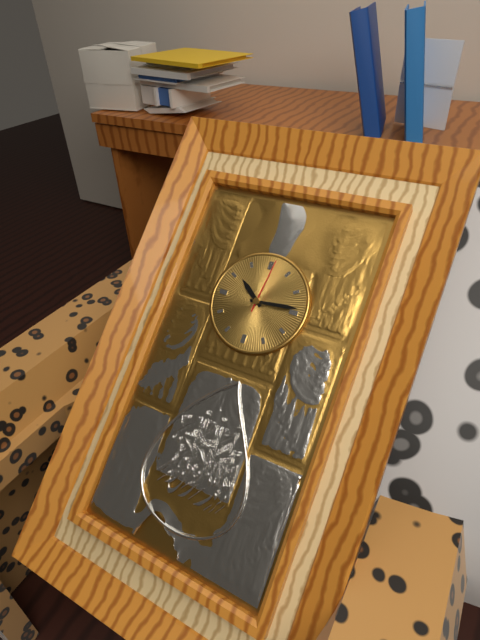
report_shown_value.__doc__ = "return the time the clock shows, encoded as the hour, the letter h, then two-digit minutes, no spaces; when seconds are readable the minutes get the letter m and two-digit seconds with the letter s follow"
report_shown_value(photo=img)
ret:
10h14m01s
